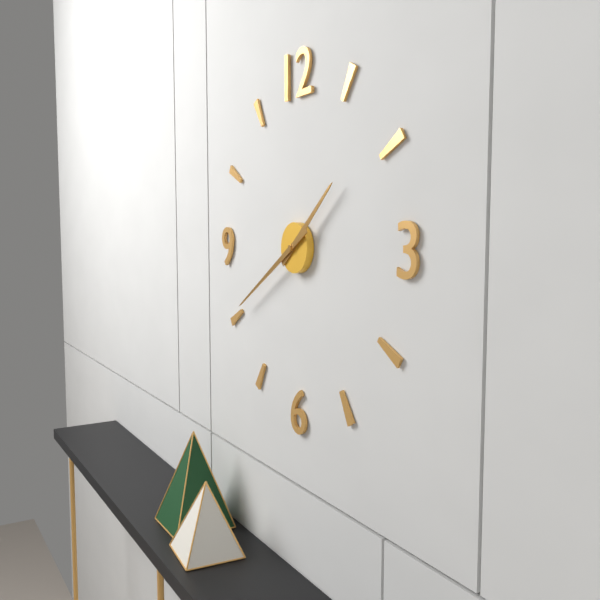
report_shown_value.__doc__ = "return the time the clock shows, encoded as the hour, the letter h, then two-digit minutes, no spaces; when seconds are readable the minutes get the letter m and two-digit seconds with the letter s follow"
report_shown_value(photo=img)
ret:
1h40
